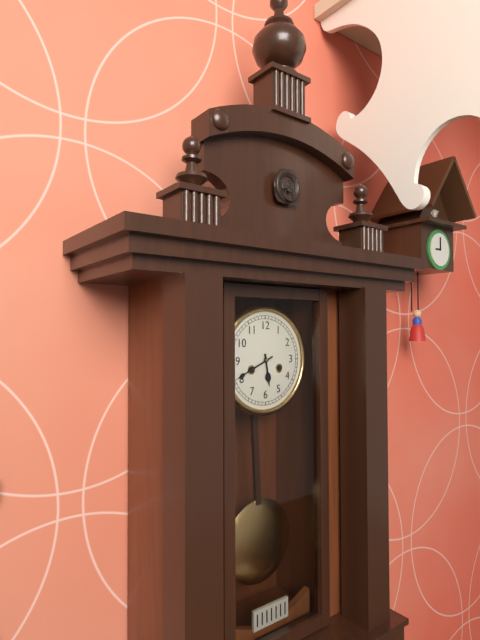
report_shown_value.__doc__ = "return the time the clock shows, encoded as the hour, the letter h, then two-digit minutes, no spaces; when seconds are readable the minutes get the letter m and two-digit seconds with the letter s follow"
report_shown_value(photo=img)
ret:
5h41
